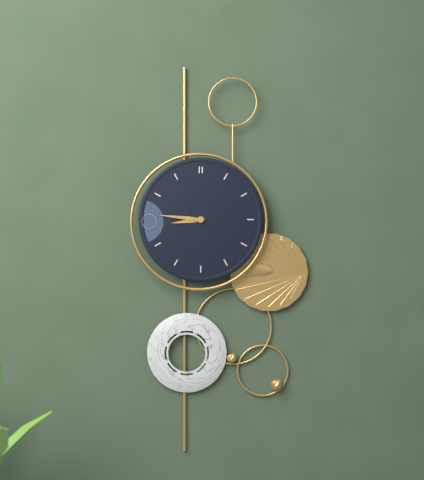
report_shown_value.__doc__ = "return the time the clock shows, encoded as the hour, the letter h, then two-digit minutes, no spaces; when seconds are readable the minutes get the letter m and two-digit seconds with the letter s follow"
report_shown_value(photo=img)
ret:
8h46
